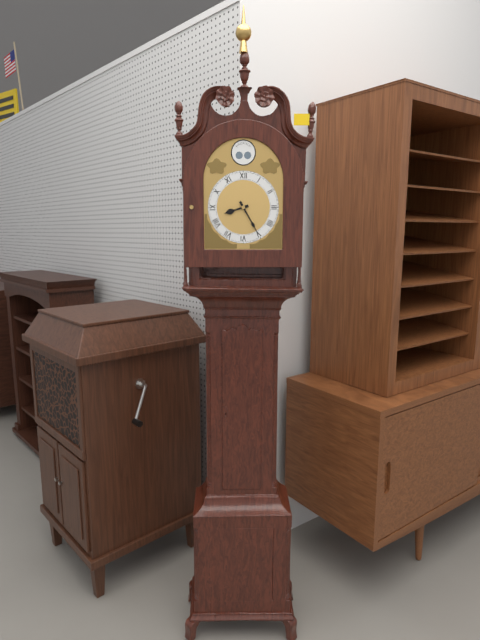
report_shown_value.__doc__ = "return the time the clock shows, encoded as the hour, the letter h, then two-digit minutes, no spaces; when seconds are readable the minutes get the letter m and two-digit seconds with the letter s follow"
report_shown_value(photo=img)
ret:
8h25
